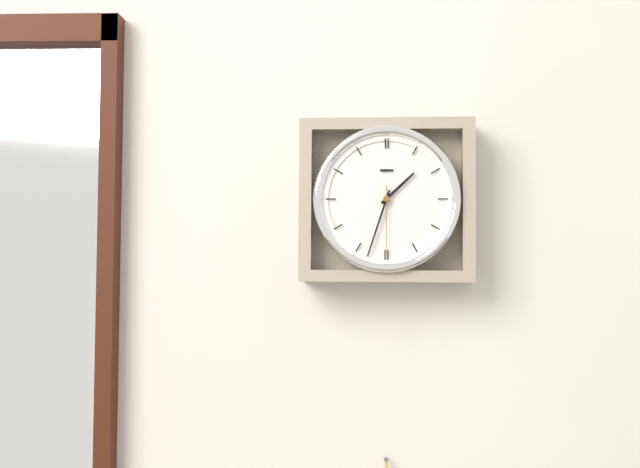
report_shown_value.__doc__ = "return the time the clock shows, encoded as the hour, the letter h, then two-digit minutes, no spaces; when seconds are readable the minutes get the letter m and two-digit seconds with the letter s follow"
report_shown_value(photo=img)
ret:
1h33m30s
